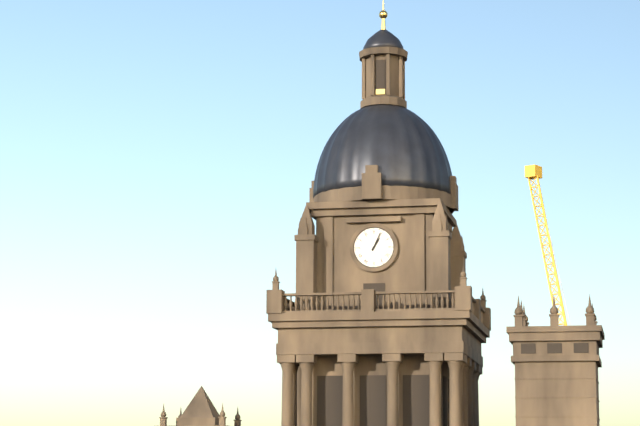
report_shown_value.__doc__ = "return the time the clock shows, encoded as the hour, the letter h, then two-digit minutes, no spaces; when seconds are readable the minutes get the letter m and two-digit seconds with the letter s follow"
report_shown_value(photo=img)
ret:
1h04
